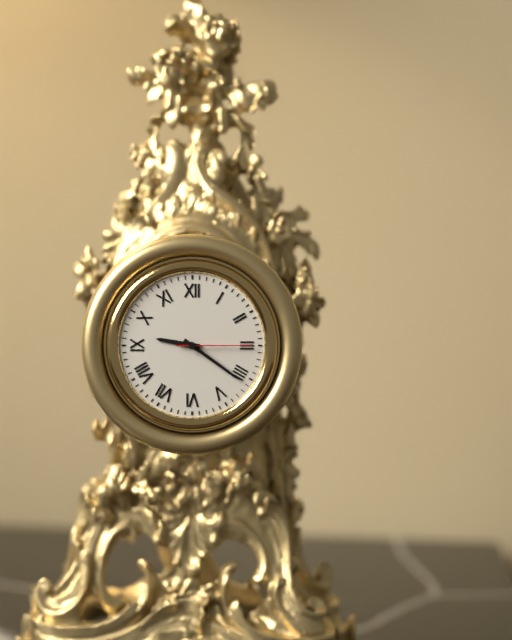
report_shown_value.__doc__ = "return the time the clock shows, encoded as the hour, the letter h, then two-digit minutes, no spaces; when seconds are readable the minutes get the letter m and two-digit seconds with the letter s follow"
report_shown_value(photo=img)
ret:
9h21m15s
